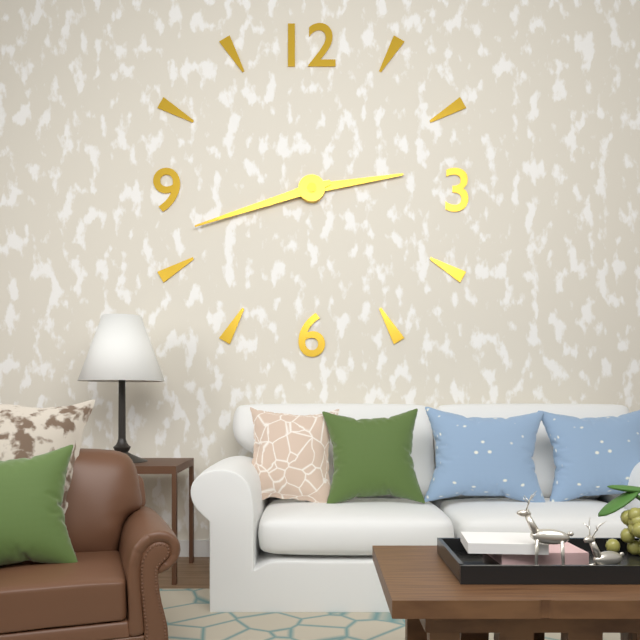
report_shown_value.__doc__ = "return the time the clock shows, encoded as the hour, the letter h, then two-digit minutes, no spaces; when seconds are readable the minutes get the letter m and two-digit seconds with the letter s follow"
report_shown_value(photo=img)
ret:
2h42
